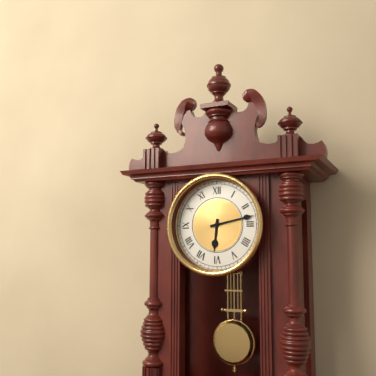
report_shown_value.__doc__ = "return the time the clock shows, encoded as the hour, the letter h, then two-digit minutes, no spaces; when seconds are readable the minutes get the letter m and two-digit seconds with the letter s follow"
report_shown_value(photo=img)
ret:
6h13
